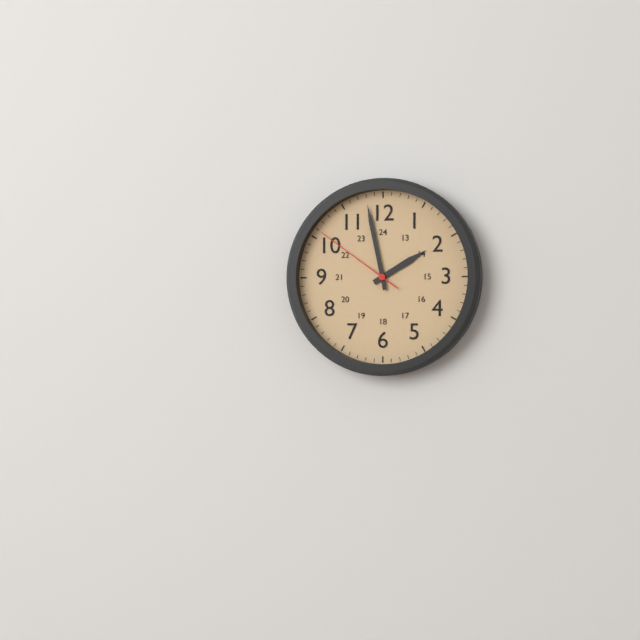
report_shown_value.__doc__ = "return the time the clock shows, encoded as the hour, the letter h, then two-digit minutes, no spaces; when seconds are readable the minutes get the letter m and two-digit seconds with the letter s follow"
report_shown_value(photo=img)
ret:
1h58m51s
